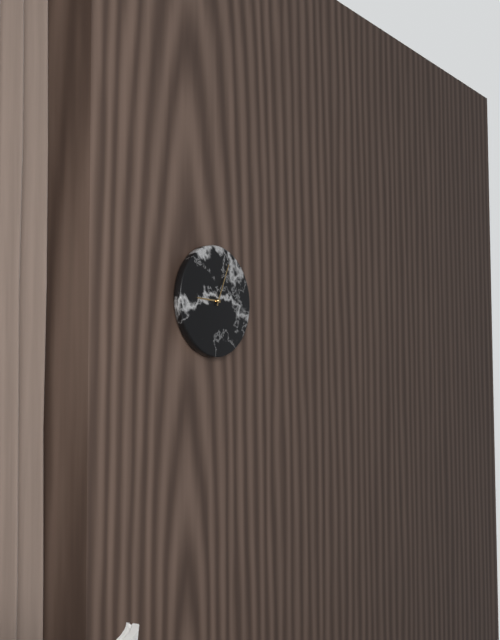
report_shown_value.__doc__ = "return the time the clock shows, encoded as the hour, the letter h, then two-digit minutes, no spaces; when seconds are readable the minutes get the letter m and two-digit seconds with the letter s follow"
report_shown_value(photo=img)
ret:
9h04
